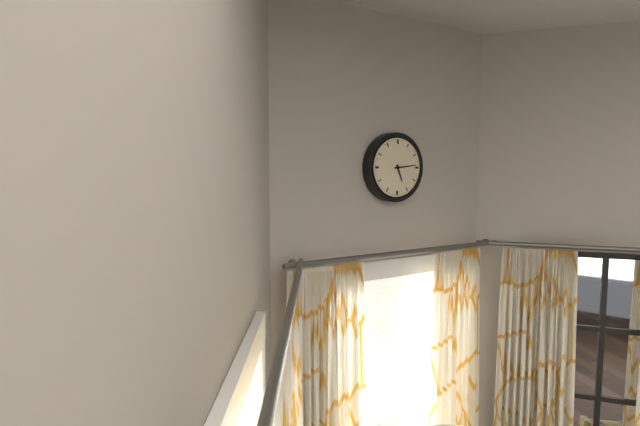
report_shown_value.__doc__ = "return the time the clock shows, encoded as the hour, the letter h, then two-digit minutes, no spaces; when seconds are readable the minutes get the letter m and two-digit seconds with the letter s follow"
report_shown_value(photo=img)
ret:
5h14
